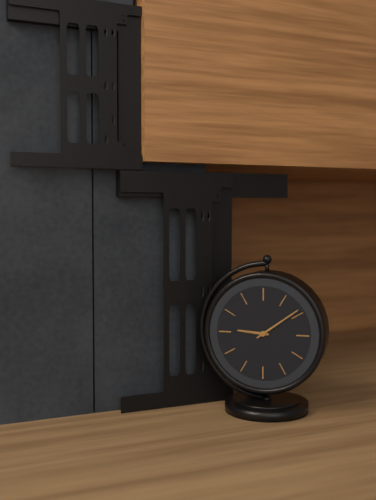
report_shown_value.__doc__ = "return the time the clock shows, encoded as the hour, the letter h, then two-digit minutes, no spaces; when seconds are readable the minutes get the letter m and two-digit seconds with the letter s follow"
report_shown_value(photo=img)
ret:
9h09
